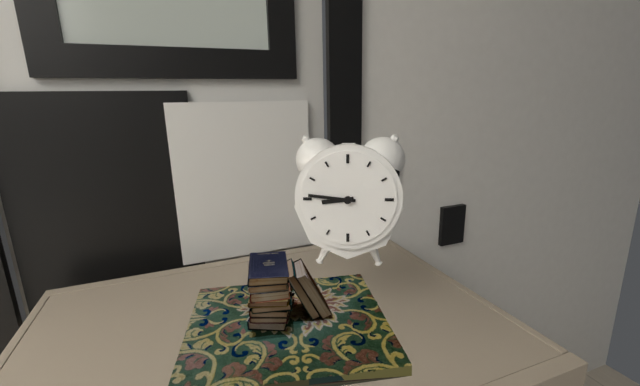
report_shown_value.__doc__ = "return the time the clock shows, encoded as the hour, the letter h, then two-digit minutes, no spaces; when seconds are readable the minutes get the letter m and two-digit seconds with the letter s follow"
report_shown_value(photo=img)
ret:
8h46
